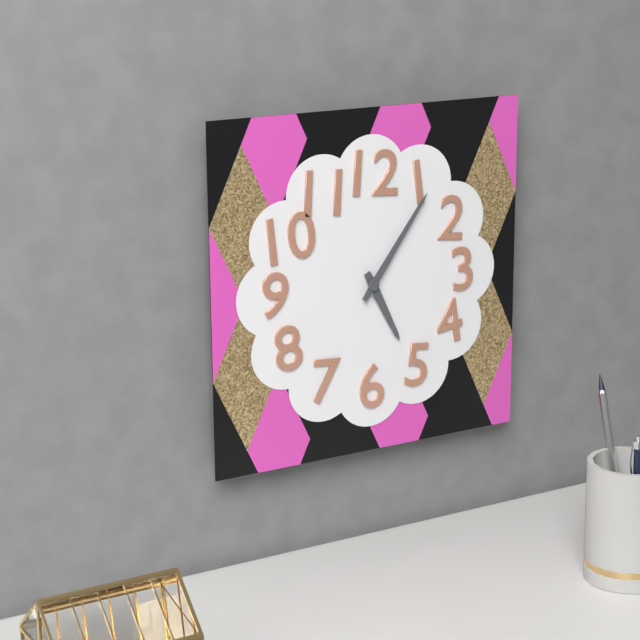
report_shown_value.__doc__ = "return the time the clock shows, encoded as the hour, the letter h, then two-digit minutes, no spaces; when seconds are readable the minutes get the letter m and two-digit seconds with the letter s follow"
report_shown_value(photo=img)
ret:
5h06
